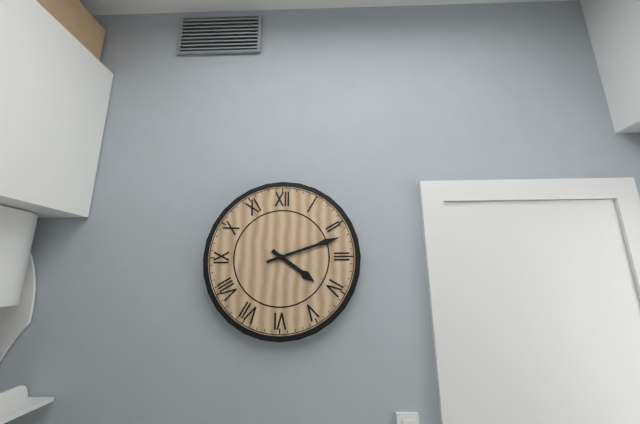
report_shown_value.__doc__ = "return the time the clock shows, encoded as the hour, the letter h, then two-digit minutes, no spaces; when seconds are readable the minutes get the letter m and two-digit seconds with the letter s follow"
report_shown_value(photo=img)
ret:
4h12
